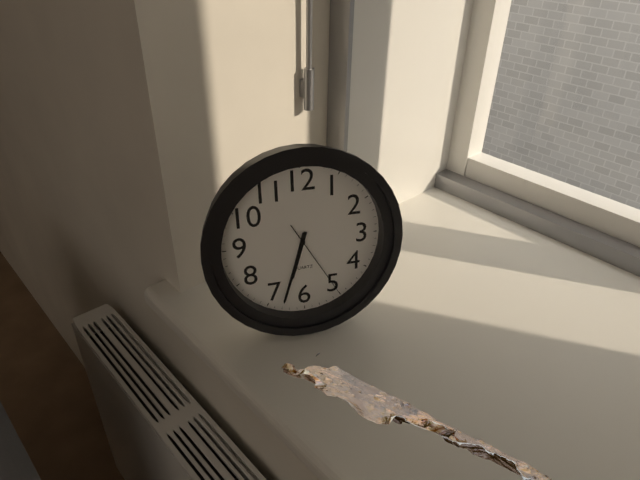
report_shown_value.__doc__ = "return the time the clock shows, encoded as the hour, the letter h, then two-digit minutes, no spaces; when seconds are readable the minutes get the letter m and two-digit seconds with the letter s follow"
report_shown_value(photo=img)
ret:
6h33m25s
